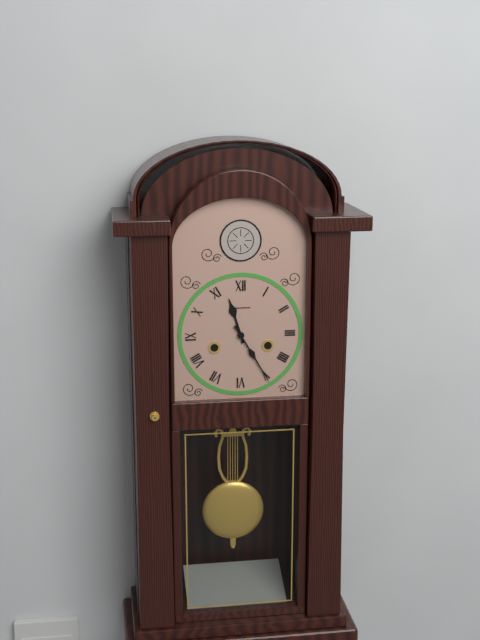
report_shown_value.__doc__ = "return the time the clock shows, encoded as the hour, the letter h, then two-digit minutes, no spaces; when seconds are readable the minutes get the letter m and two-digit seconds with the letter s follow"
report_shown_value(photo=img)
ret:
11h25
